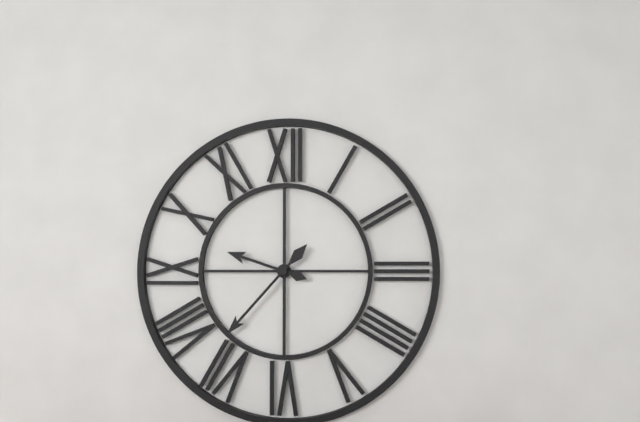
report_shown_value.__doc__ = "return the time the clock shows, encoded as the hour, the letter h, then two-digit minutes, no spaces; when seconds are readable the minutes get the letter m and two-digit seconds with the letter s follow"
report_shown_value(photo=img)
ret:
9h37
